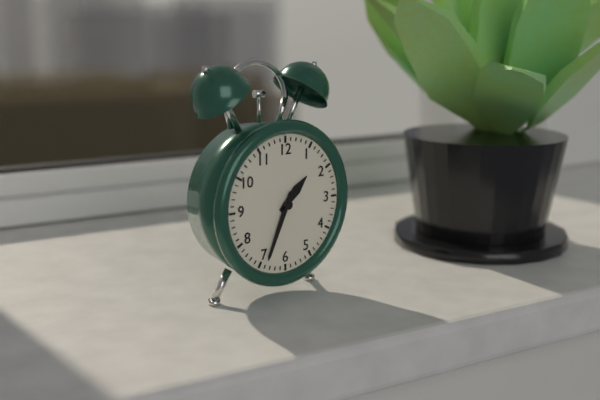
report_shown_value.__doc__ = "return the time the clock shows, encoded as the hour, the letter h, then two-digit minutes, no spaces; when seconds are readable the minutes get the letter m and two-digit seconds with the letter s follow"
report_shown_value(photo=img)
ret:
1h34
